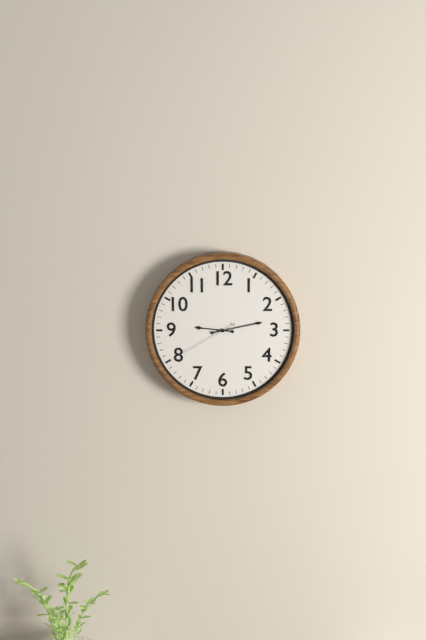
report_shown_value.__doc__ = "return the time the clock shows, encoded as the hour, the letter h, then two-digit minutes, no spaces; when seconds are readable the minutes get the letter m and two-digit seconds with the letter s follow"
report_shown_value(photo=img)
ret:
9h13m40s
